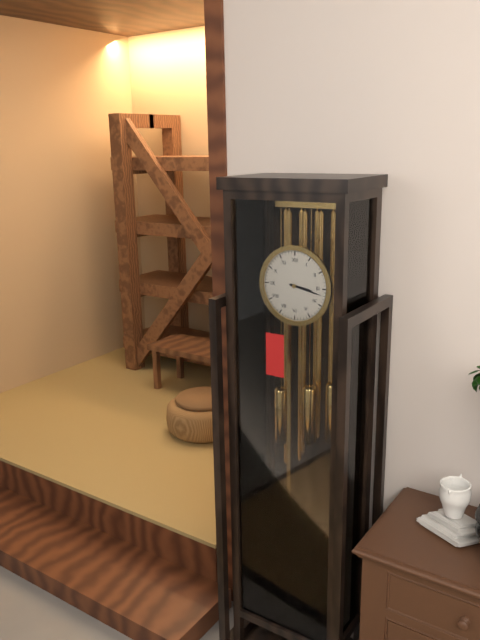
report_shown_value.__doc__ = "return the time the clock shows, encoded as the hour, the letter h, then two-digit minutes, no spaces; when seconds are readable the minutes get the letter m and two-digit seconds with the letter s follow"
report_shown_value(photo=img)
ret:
3h17
